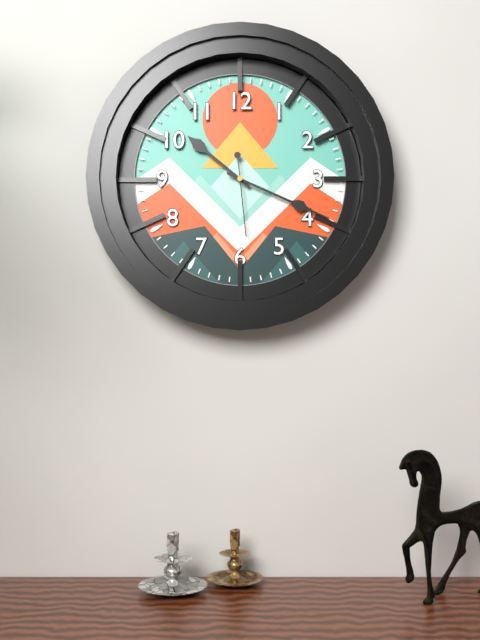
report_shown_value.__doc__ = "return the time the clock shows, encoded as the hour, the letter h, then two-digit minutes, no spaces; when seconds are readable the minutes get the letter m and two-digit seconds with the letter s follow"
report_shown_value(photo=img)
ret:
10h19m29s
